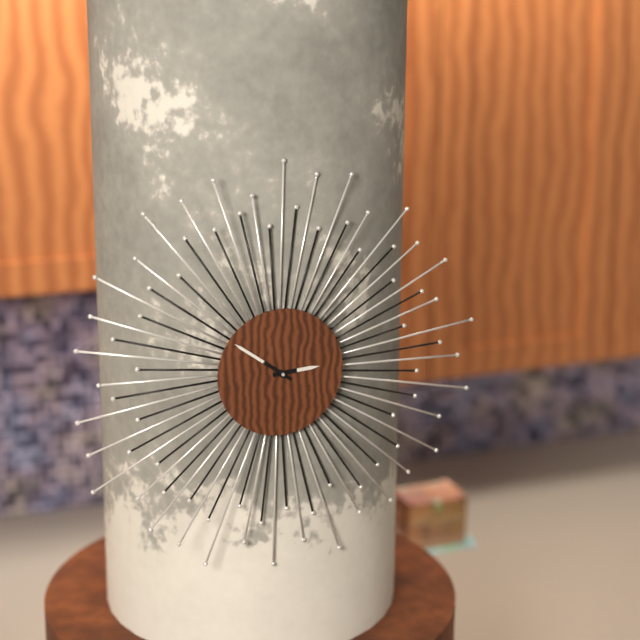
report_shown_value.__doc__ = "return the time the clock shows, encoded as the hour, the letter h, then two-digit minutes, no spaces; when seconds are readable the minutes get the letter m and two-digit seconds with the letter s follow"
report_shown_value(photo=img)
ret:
2h51
